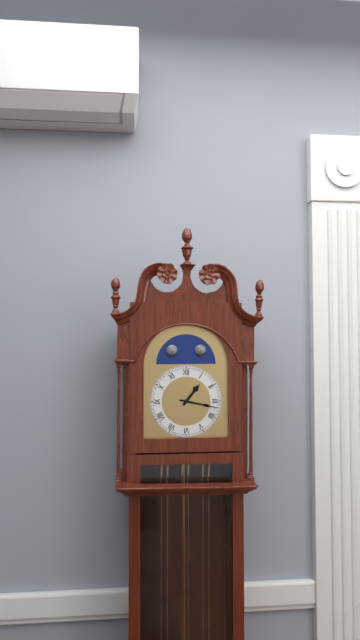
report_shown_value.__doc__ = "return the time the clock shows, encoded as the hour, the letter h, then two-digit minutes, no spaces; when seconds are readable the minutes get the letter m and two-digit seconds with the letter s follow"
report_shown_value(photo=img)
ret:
1h17
